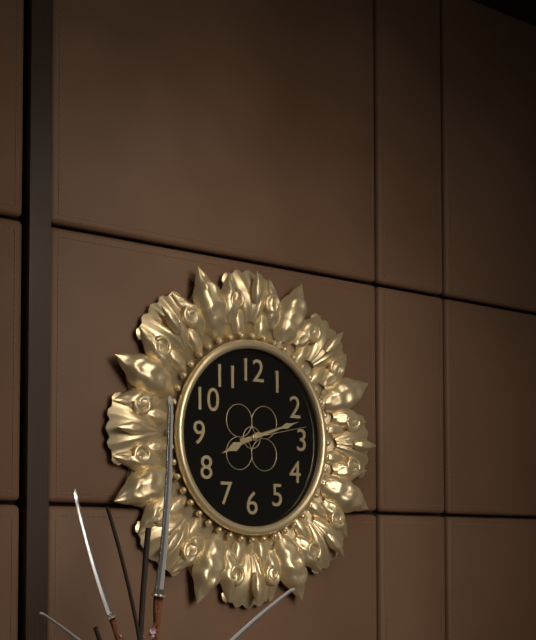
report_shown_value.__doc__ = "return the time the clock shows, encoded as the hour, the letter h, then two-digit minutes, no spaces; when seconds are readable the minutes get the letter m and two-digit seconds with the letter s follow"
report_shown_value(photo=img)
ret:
8h12m13s
